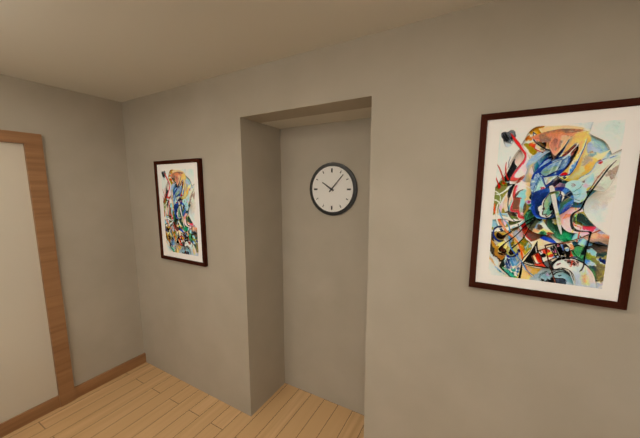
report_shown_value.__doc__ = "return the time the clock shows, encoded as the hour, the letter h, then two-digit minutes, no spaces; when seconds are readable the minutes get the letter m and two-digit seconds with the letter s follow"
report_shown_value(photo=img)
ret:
10h07
